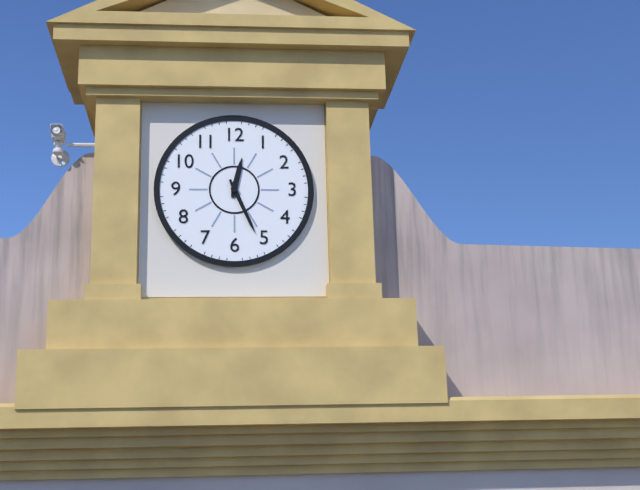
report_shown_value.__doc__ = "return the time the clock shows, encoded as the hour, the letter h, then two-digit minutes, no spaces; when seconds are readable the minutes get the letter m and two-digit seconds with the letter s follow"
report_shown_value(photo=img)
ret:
12h26
